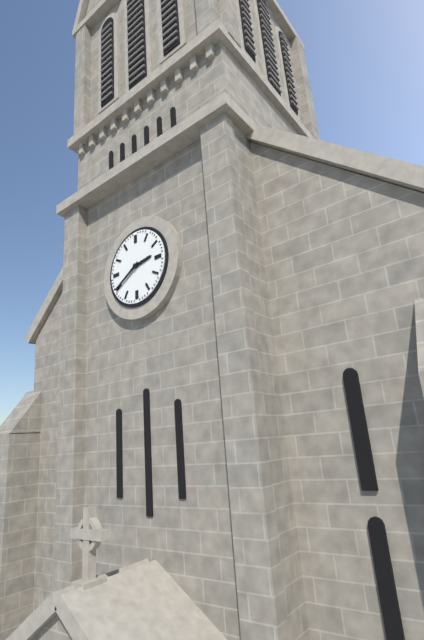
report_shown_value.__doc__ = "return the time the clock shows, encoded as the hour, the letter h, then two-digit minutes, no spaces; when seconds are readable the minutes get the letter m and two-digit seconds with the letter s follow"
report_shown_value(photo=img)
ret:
2h40
